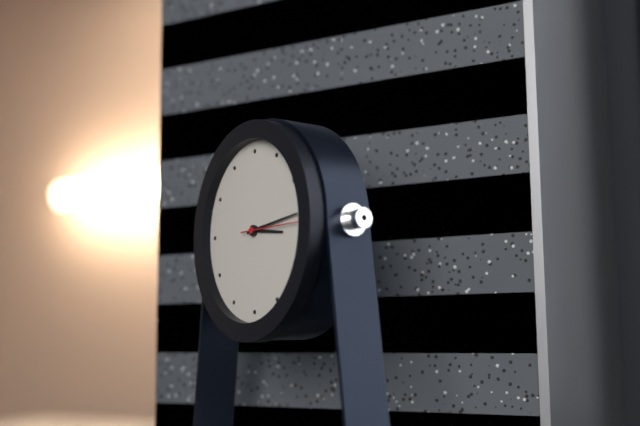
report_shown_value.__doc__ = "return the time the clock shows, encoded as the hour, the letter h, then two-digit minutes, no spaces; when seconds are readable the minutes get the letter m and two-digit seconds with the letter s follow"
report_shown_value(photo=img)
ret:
3h14m15s
